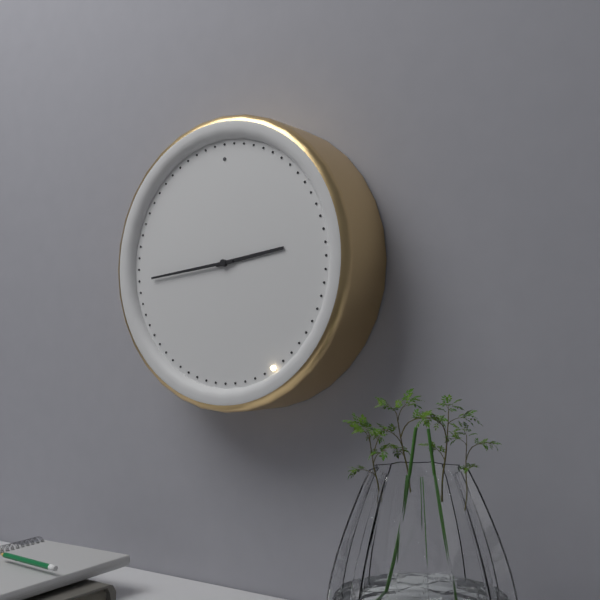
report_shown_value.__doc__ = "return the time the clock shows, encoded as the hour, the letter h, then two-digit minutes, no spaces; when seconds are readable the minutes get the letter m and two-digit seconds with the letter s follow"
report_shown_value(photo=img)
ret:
2h44
